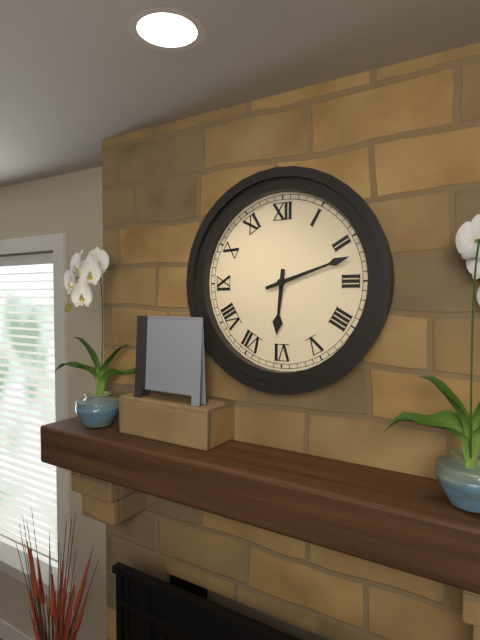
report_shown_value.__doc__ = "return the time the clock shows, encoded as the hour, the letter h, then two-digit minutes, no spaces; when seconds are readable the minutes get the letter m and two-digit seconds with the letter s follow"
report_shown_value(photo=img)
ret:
6h12
